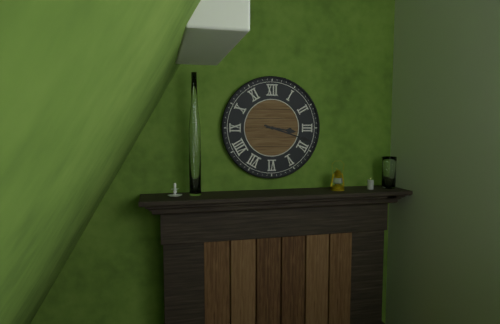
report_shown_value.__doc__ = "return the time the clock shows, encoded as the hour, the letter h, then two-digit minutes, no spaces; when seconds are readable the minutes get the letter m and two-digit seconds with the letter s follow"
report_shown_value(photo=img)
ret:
3h18
